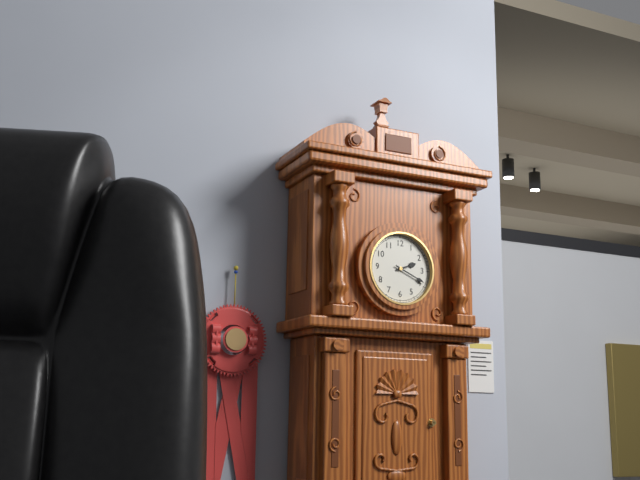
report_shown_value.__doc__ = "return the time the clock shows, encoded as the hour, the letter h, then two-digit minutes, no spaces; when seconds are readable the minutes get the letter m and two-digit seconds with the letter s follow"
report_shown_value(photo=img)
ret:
2h19
